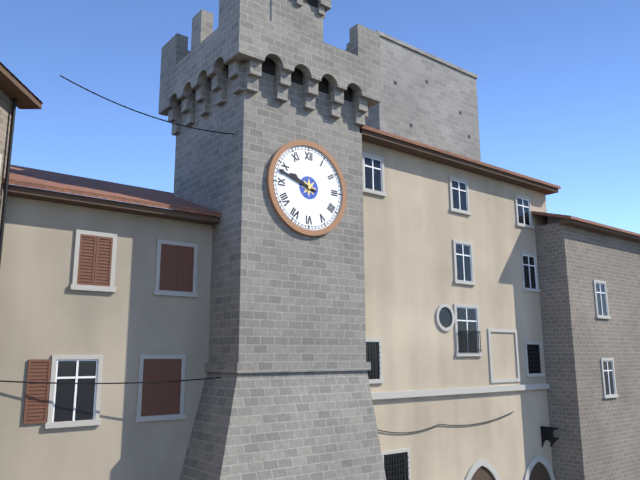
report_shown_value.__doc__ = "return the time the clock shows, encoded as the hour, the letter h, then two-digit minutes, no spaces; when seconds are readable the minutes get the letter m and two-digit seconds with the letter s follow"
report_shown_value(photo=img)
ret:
9h48
